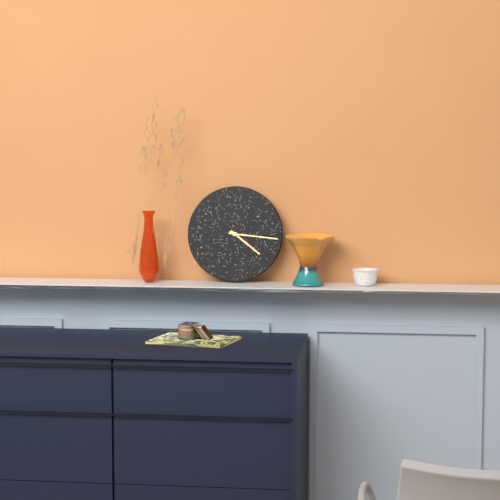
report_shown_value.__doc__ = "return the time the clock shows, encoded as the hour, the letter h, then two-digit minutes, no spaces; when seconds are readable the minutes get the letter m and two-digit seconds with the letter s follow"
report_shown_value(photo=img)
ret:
4h16
